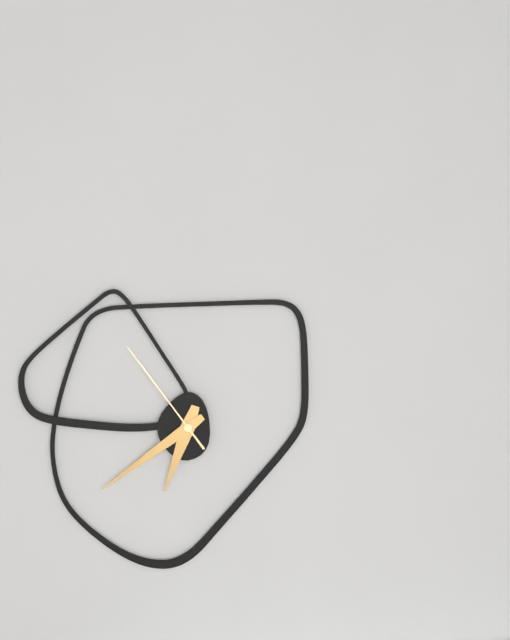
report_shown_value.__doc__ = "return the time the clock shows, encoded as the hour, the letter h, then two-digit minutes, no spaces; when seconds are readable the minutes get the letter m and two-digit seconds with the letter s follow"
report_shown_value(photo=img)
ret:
6h39m54s
